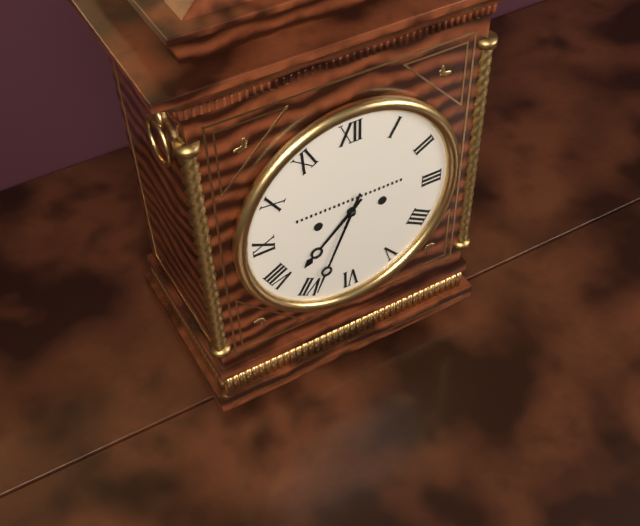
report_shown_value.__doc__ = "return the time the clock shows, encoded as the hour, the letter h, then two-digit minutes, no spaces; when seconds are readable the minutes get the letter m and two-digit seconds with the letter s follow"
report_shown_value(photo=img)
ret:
7h34
